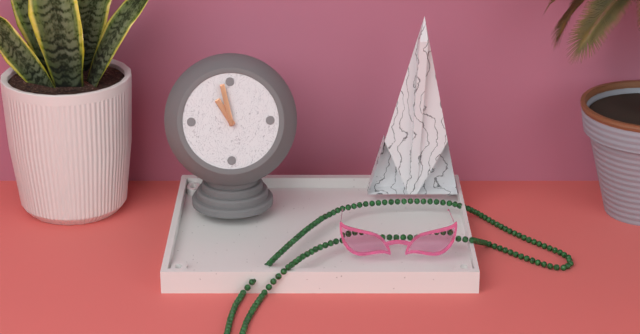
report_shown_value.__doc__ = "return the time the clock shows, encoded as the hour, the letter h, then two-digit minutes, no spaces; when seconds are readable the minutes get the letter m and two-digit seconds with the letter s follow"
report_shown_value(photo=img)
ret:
10h58
